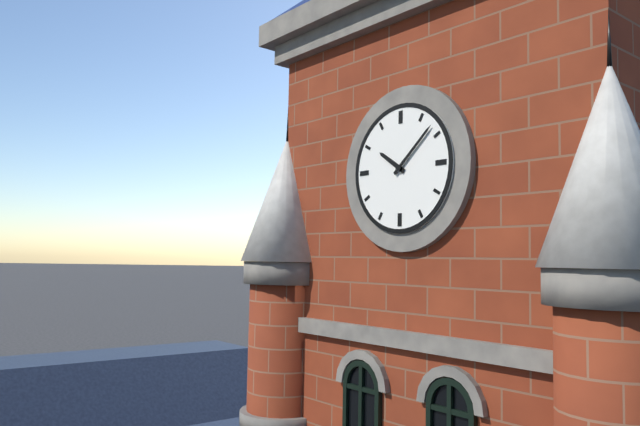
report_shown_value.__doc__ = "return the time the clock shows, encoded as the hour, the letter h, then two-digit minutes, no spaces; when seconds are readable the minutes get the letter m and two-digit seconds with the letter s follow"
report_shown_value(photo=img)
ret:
10h08
